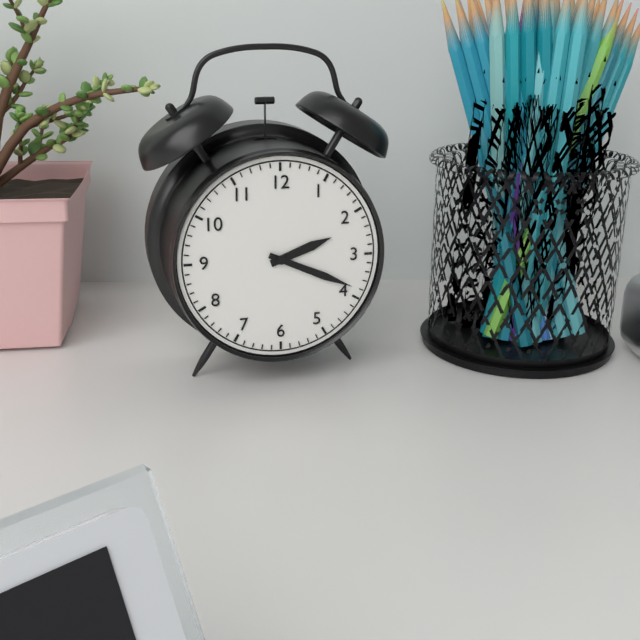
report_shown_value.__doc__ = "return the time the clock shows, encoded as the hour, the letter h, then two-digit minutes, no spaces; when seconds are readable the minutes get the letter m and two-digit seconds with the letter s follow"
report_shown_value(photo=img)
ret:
2h19
